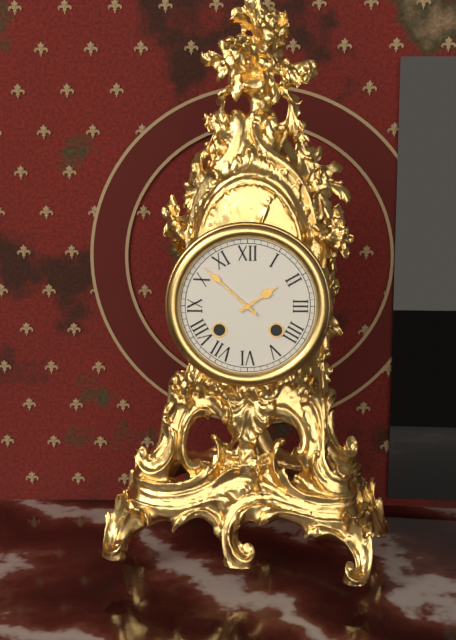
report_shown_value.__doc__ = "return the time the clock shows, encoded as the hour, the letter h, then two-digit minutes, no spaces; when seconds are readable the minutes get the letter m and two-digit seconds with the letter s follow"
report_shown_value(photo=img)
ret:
1h52
